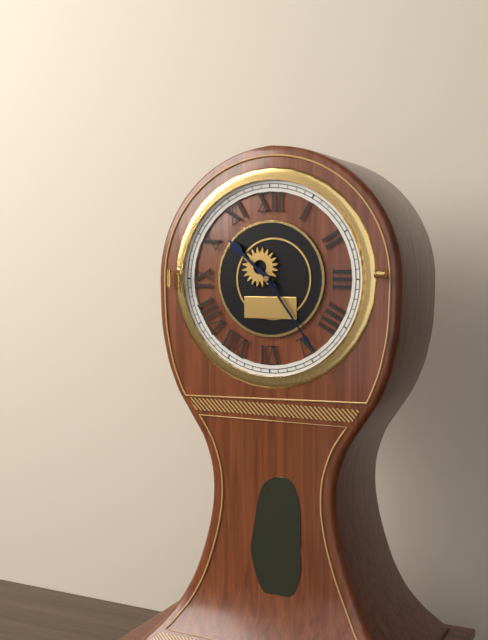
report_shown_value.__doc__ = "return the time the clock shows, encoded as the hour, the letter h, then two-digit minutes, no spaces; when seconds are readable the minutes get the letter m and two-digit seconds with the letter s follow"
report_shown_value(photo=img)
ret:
10h24
